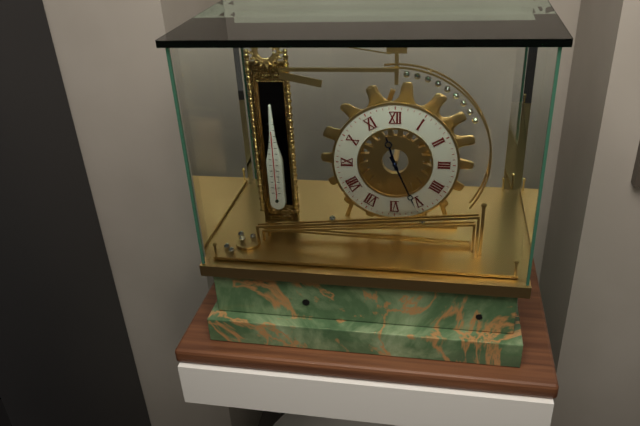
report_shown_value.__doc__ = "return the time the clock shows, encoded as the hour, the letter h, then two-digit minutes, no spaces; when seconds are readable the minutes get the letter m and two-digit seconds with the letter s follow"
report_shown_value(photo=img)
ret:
11h26
